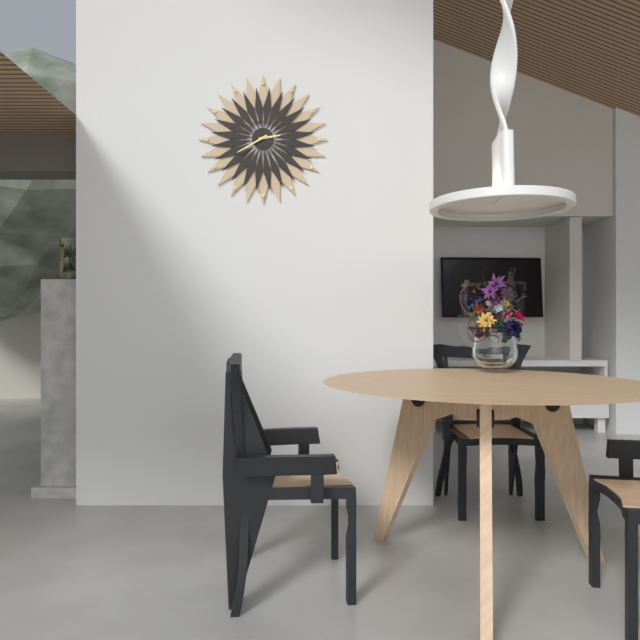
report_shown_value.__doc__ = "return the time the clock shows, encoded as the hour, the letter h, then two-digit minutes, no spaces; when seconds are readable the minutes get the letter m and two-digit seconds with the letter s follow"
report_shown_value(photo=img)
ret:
2h40
